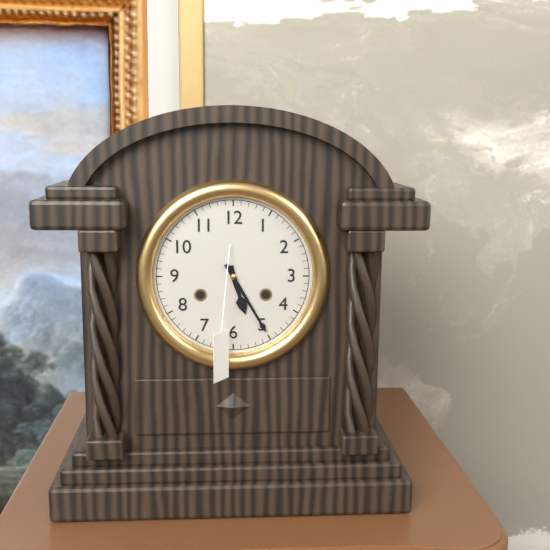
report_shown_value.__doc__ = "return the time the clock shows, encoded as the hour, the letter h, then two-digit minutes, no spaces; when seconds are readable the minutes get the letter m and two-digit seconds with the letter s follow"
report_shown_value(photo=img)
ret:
5h25
